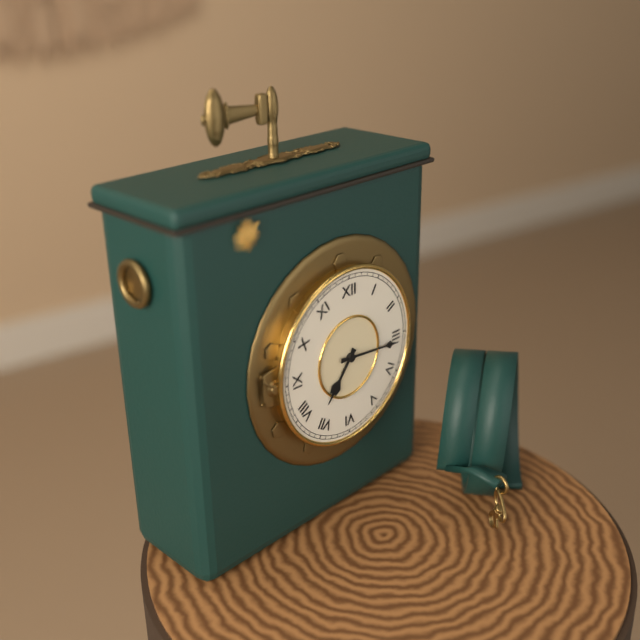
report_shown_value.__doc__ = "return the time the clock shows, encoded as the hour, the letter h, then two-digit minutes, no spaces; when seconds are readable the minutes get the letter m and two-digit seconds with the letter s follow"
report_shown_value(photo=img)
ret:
7h16
